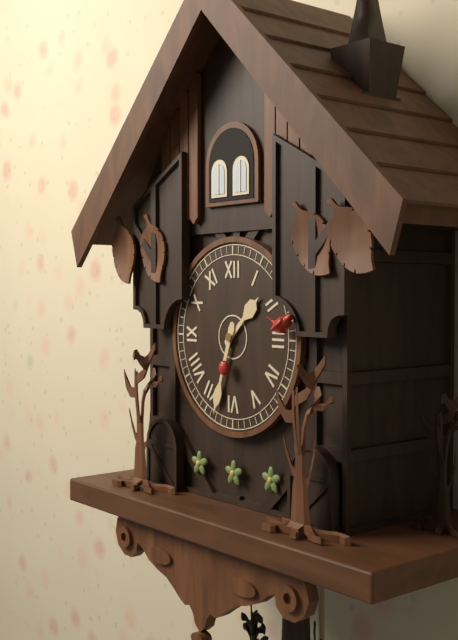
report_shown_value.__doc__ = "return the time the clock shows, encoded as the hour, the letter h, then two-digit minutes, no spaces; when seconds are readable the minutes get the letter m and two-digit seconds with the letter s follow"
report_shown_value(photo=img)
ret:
1h33
